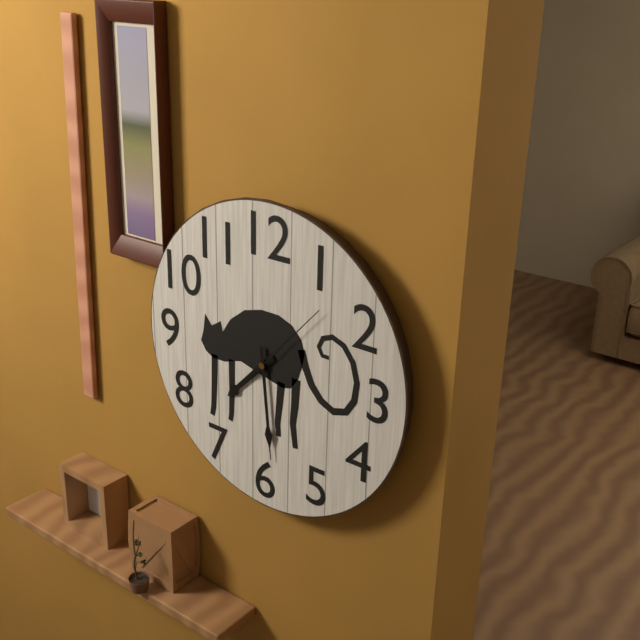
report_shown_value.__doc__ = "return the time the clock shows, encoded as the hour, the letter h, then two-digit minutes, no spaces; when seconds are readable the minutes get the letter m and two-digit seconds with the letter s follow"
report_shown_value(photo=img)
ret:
7h29m07s
